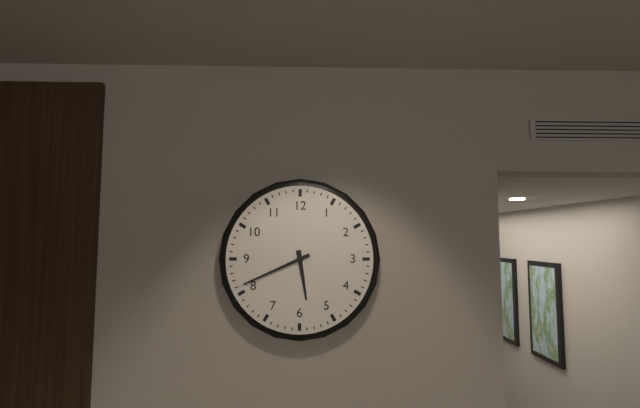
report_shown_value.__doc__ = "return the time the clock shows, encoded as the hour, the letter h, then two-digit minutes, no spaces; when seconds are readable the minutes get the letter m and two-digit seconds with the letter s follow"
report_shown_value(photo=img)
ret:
5h41
